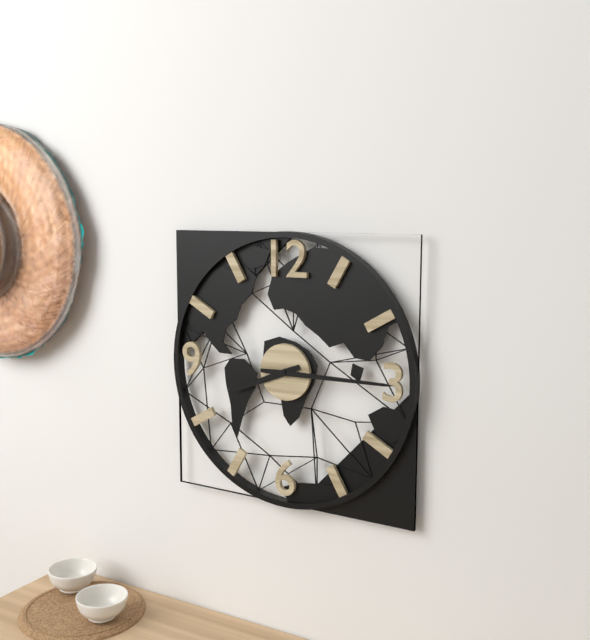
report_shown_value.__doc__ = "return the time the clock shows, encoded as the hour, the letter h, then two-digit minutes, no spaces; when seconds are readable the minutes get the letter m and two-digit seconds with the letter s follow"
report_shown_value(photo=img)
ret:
8h15
